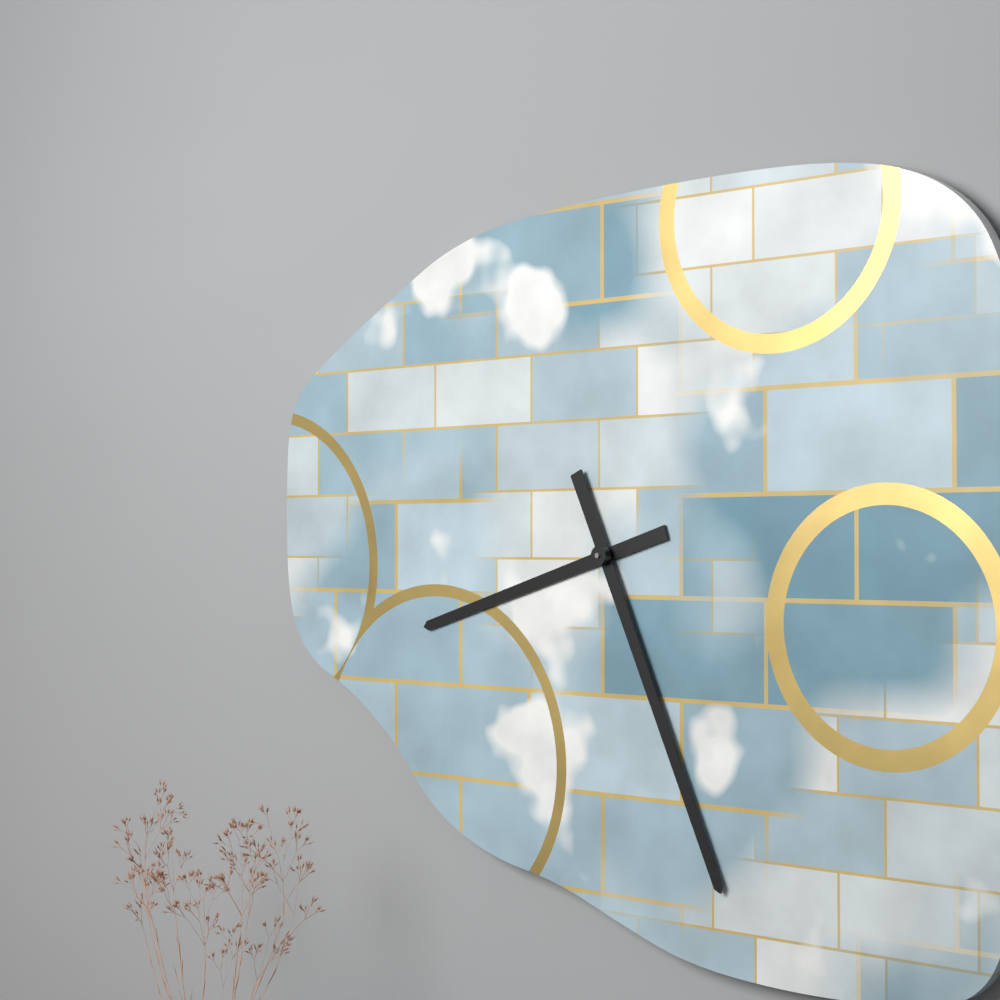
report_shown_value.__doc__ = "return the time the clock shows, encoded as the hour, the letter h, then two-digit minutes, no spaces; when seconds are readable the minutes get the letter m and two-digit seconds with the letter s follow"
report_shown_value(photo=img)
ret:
8h26
